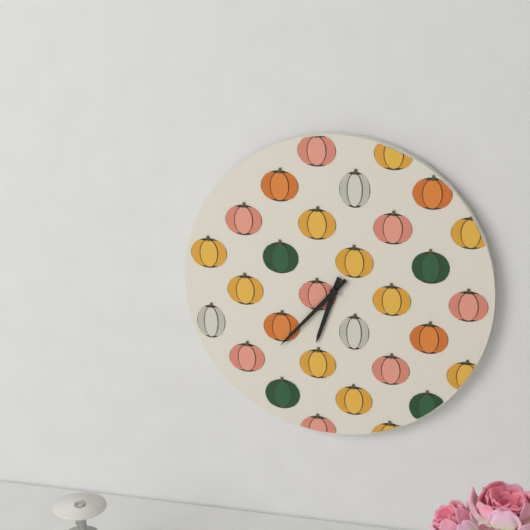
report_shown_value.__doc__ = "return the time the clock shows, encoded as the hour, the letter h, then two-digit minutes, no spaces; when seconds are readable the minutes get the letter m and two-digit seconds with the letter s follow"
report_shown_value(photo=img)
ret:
6h37
